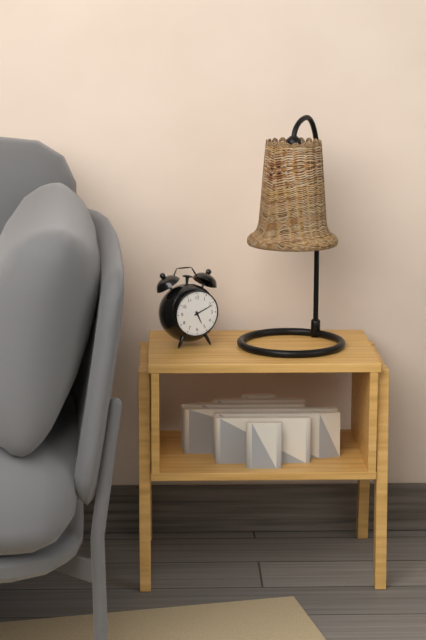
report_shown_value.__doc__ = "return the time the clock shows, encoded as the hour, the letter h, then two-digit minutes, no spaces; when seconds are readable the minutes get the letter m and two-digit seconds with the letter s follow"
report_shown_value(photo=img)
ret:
5h11
